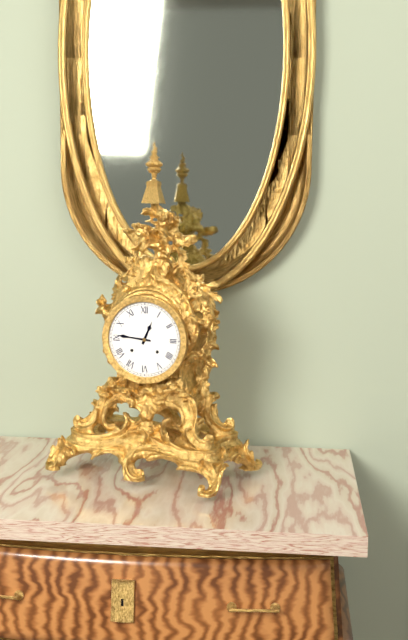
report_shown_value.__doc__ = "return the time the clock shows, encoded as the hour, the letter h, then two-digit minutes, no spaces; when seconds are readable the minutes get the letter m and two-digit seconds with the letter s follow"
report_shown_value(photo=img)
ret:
12h46
